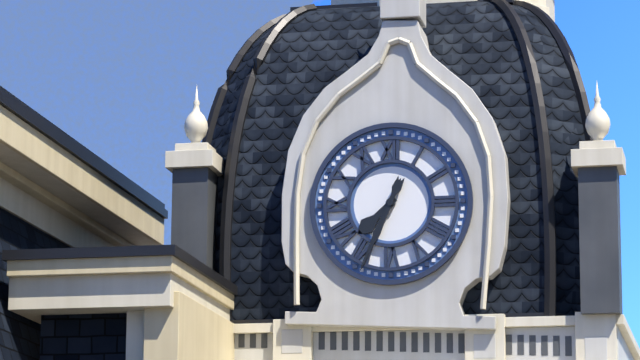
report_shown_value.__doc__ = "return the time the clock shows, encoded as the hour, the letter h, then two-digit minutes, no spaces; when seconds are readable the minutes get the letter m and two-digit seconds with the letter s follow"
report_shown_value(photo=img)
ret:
7h34
